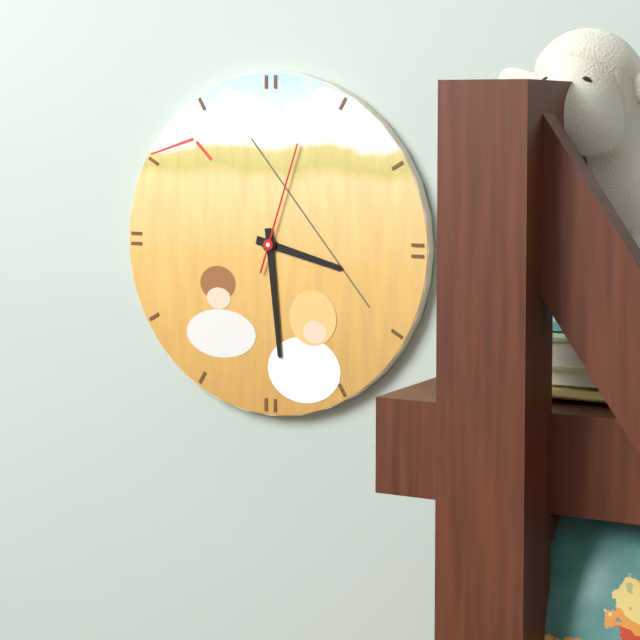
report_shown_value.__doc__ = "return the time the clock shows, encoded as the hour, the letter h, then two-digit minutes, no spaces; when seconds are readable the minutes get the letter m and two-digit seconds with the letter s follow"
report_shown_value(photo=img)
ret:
3h29m03s
